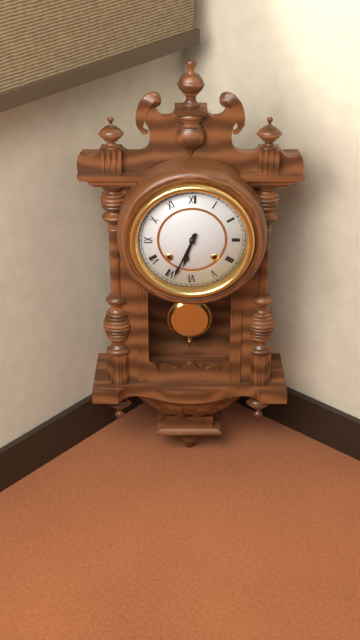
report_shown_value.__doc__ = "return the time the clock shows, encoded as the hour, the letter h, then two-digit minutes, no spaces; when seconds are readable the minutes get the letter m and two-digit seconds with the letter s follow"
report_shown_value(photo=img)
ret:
6h34
